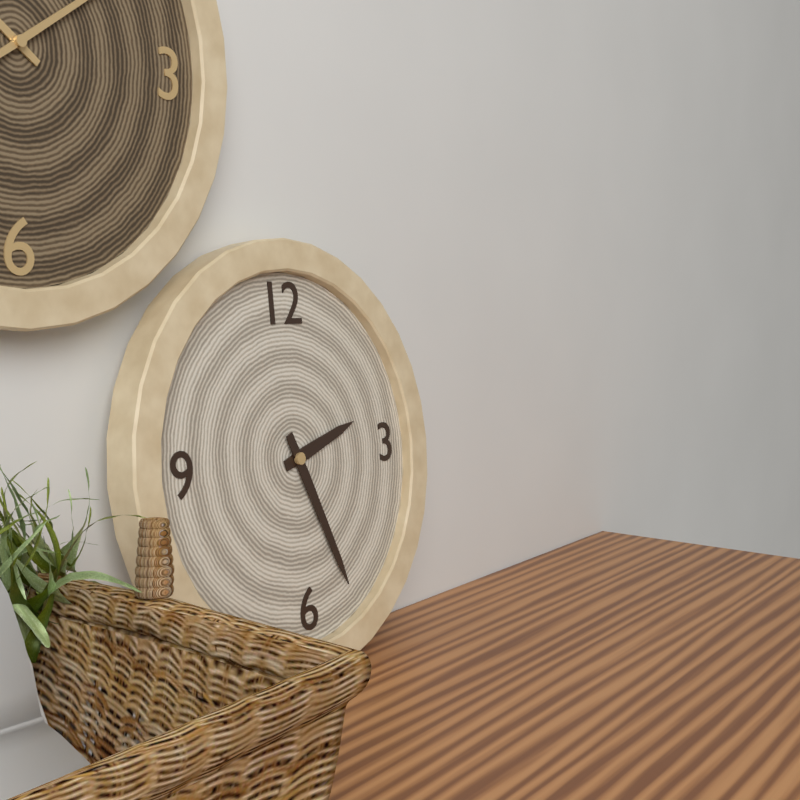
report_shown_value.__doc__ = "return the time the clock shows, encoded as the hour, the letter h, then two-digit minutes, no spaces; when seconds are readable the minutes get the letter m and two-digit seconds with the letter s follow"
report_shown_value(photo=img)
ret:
2h26
